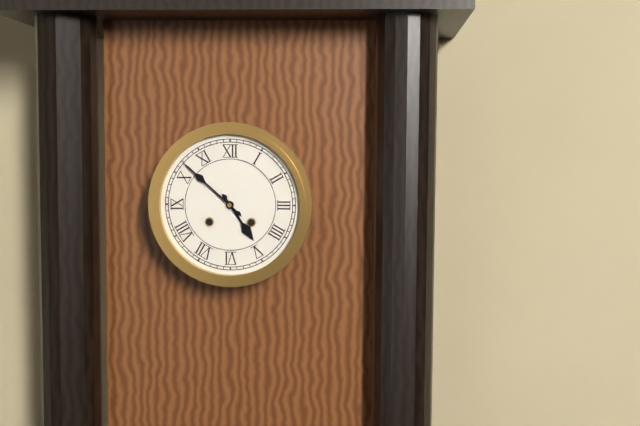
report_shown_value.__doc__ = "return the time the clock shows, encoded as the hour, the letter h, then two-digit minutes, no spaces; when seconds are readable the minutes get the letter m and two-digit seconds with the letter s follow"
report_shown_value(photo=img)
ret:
4h52
